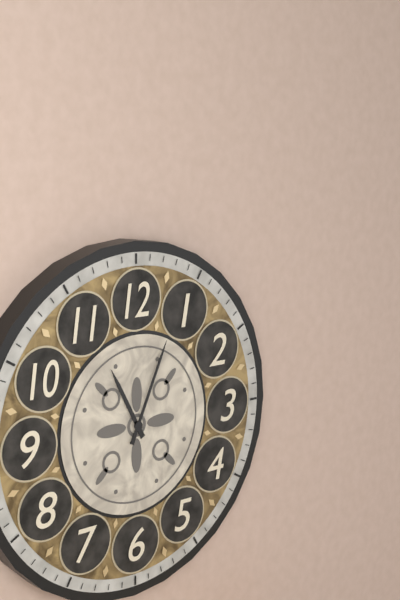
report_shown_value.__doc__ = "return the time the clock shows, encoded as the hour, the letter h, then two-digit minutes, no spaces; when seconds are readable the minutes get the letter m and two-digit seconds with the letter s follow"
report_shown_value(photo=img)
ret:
11h04
